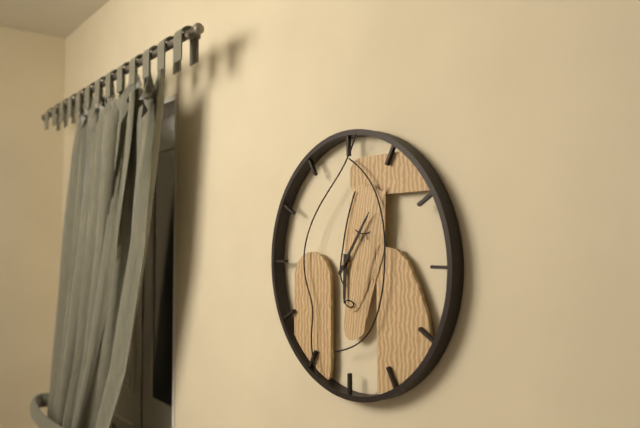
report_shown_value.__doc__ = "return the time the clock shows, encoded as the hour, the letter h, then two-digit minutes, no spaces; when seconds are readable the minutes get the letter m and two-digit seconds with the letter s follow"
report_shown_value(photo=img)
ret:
6h06
